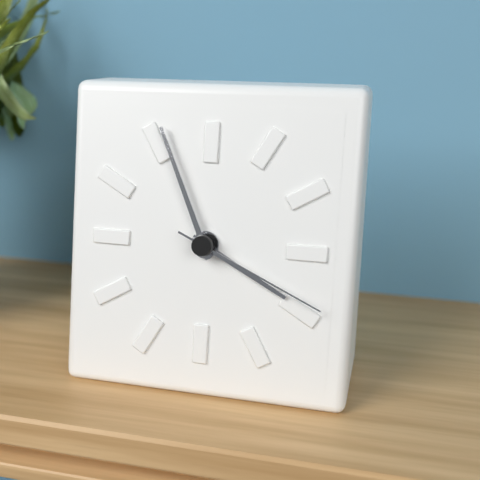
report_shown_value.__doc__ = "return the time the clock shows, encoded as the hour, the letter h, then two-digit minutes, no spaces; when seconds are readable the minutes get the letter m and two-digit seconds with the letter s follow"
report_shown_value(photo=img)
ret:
3h56m19s
